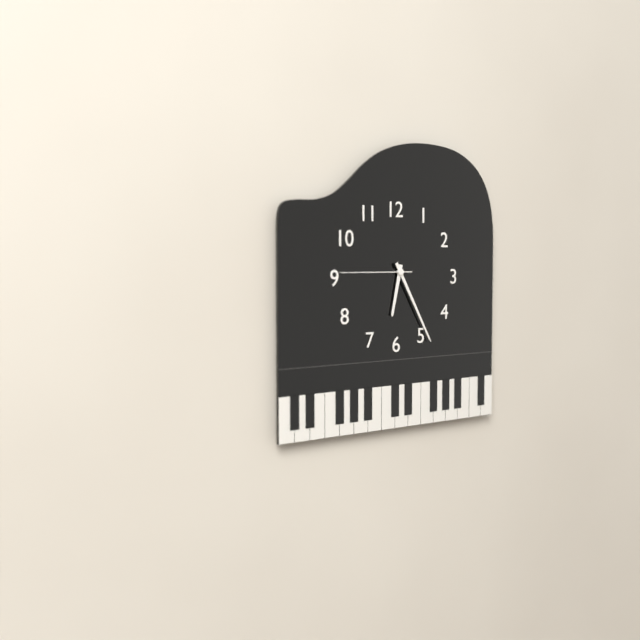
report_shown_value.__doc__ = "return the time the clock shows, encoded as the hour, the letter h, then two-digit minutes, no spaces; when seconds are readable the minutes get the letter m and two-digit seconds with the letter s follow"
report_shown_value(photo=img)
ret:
6h25m45s
